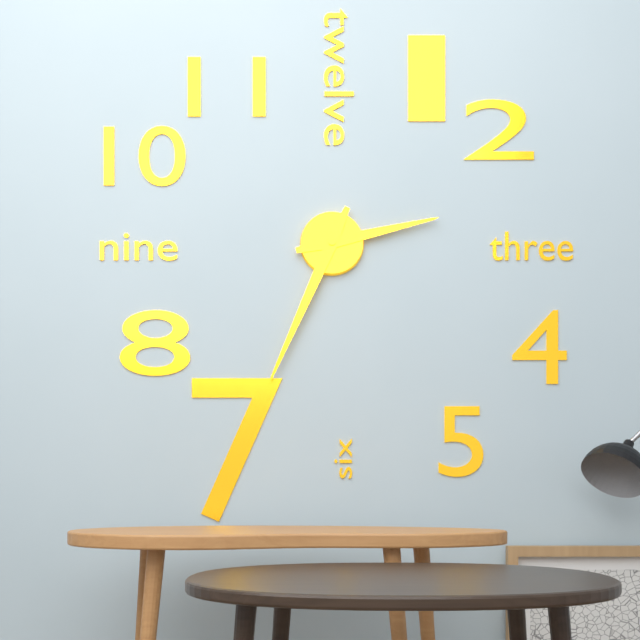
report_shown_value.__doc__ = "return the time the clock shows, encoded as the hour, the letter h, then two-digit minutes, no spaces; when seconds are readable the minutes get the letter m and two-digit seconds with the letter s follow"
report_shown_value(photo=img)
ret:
2h34
